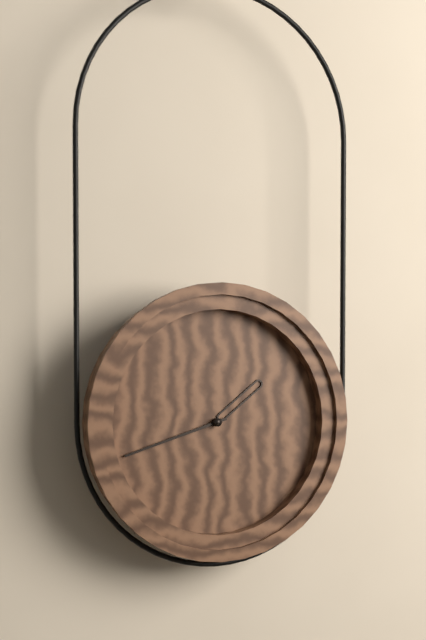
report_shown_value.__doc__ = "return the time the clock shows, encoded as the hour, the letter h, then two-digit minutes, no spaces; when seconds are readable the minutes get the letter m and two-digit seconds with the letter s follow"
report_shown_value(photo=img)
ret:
1h42
